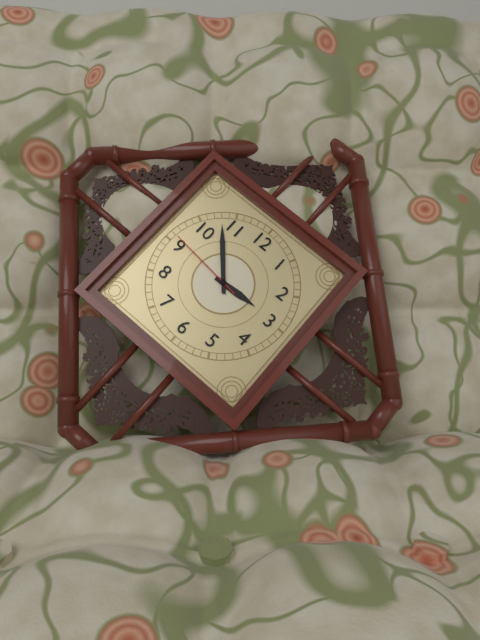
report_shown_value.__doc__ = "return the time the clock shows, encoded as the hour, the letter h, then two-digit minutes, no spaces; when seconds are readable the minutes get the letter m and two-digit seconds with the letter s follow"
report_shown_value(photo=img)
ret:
2h53m46s
